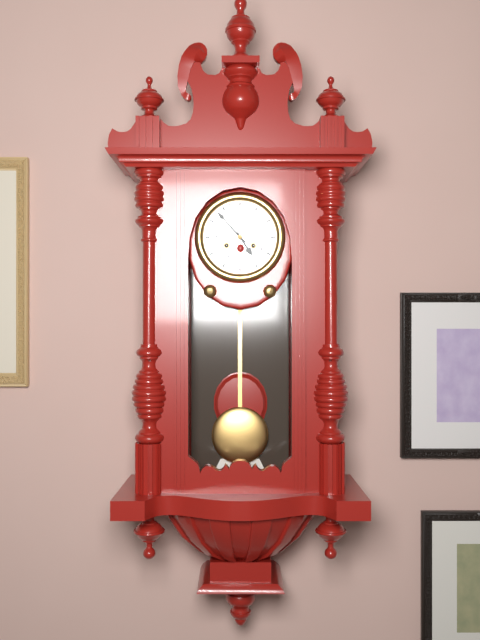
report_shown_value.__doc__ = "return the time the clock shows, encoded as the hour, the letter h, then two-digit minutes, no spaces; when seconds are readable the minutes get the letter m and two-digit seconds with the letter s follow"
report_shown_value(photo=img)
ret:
4h53
